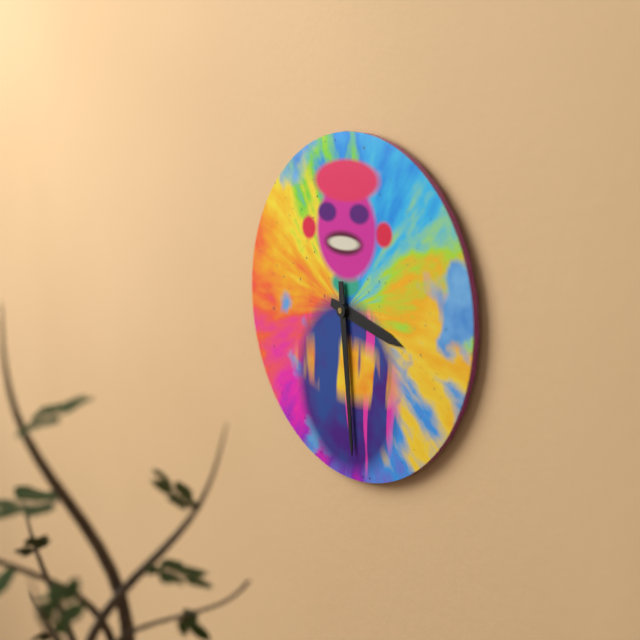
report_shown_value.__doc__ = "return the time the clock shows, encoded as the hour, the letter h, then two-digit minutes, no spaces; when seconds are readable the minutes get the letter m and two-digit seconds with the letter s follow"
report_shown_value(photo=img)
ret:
3h29
